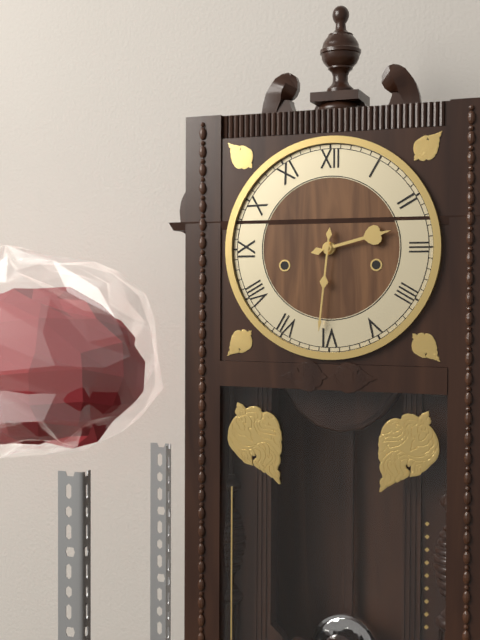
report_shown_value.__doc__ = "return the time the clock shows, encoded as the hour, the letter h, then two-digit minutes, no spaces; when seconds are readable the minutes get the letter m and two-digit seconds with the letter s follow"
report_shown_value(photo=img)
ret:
2h31
